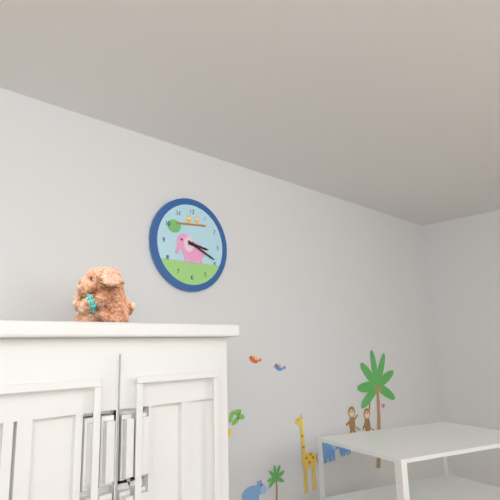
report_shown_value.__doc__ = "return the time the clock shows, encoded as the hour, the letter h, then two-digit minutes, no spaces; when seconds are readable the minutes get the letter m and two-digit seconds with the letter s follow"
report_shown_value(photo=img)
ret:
3h19
